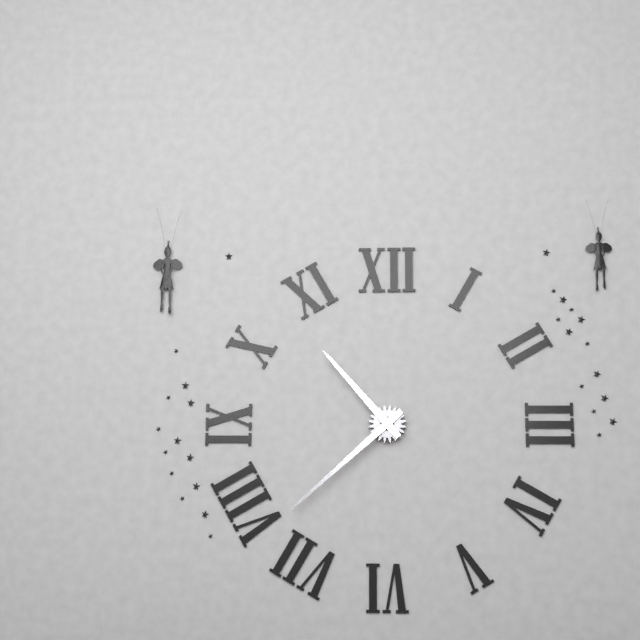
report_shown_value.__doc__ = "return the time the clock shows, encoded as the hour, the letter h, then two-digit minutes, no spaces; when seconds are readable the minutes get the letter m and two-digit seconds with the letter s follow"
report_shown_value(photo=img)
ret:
10h38
